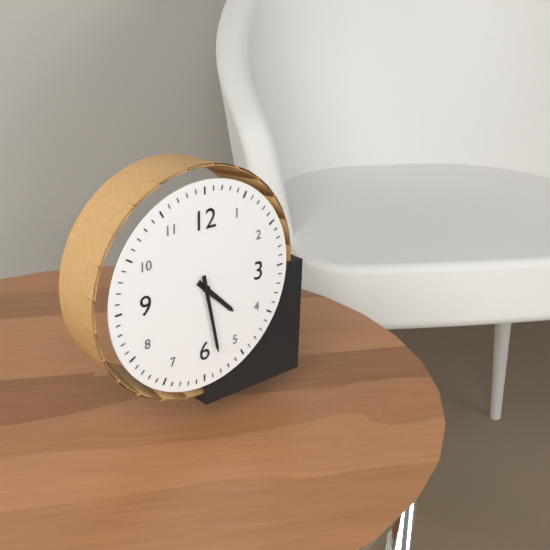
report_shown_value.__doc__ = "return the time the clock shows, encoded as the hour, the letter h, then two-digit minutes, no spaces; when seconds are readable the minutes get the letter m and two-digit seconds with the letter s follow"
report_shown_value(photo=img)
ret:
4h28
